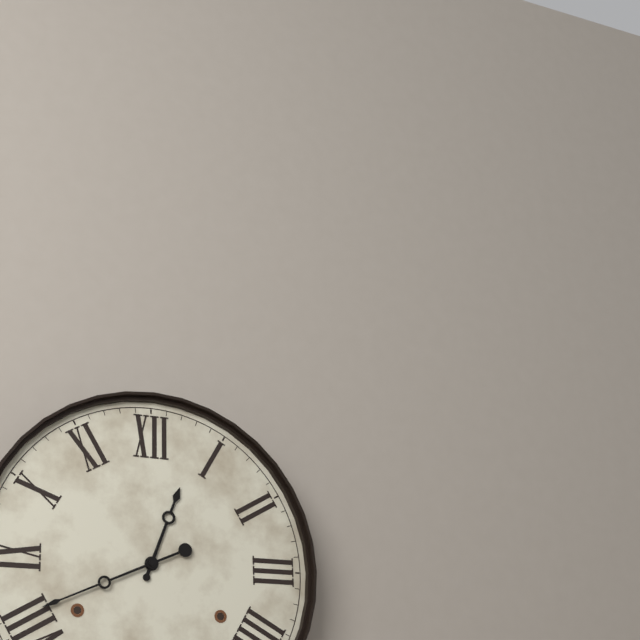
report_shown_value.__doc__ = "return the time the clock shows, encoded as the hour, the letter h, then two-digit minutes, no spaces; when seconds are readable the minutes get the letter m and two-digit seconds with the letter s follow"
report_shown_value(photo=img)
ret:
12h41
